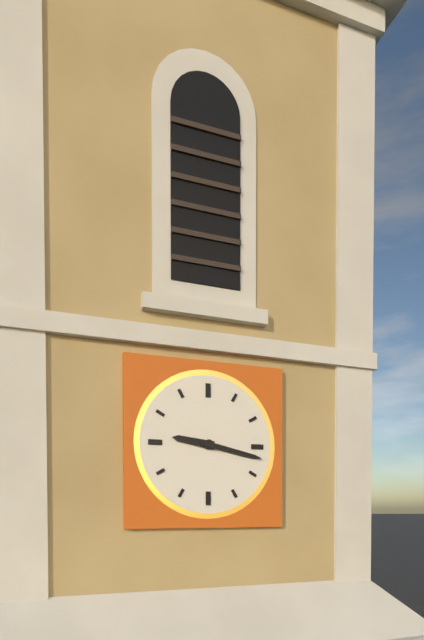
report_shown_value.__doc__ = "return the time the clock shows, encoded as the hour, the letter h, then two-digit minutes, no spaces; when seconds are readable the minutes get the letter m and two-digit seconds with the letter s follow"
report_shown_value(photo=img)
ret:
9h17
